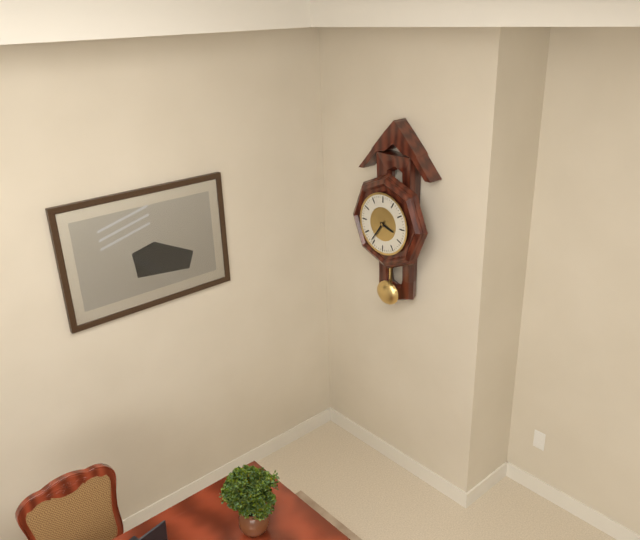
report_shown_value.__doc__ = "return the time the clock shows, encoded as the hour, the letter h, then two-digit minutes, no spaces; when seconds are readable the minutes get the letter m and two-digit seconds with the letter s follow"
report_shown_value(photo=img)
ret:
3h36
